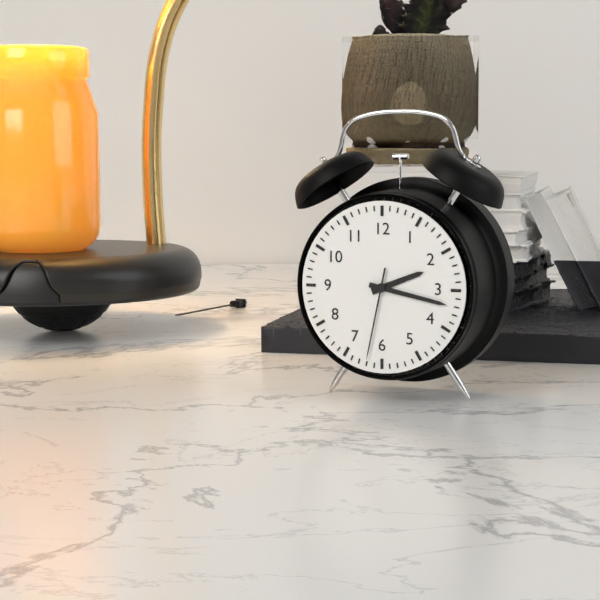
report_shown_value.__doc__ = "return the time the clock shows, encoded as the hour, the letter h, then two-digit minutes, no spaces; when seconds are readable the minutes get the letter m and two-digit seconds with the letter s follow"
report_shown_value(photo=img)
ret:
2h17m32s
